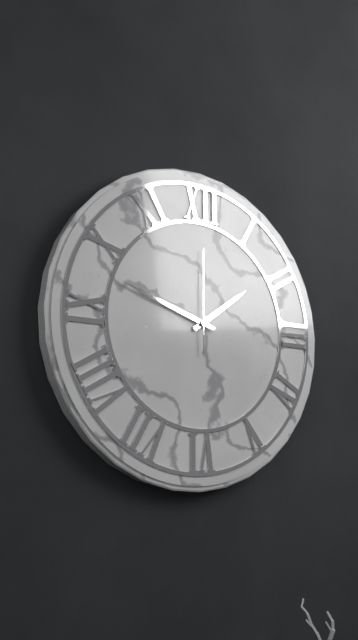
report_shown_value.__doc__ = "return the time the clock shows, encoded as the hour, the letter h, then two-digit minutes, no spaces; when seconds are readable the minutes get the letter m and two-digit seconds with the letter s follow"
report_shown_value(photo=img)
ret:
1h48m00s
